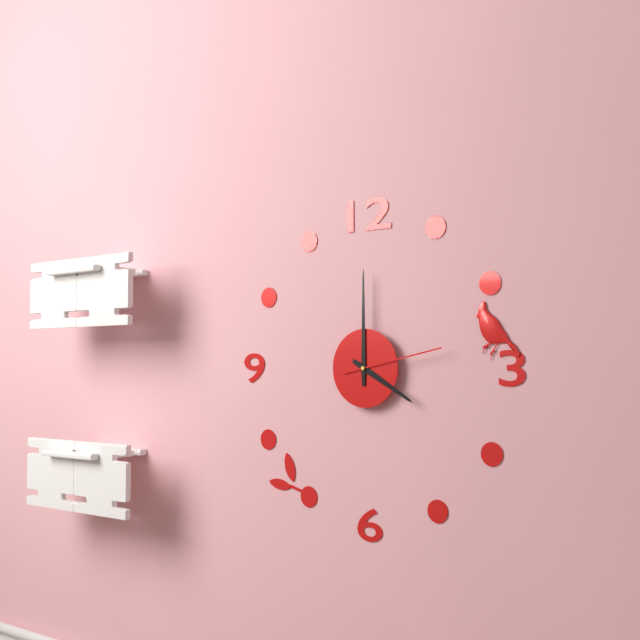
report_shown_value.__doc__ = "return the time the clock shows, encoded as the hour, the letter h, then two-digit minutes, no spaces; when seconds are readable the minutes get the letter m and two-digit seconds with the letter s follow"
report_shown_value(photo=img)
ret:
4h00m13s
